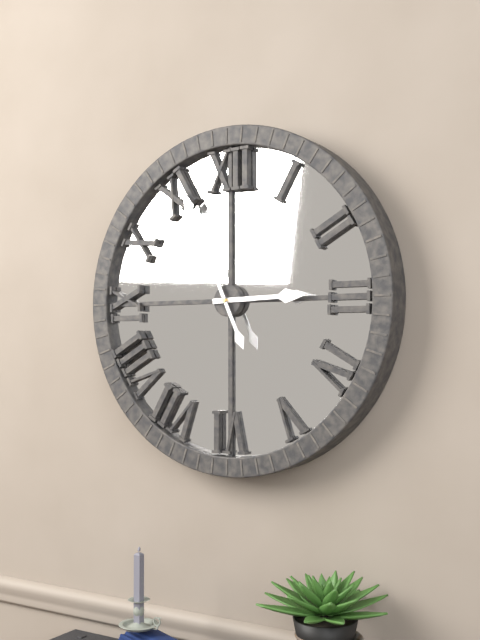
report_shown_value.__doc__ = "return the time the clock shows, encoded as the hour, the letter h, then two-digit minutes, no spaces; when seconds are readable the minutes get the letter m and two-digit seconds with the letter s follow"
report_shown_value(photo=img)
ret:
2h56
